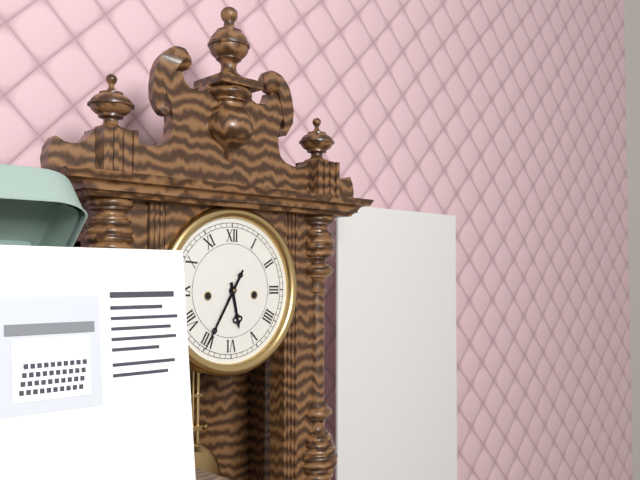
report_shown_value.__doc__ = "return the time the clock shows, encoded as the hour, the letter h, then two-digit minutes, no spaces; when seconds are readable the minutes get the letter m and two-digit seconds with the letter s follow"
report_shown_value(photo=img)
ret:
5h35
